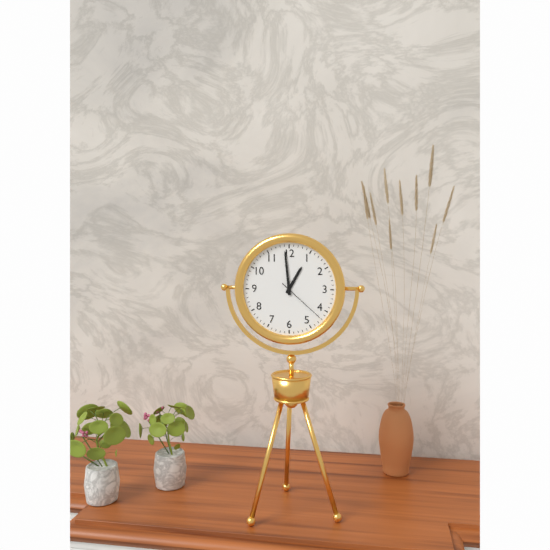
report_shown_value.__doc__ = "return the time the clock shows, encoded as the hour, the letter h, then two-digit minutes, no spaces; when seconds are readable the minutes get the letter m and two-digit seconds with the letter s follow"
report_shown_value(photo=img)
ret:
12h59m22s
